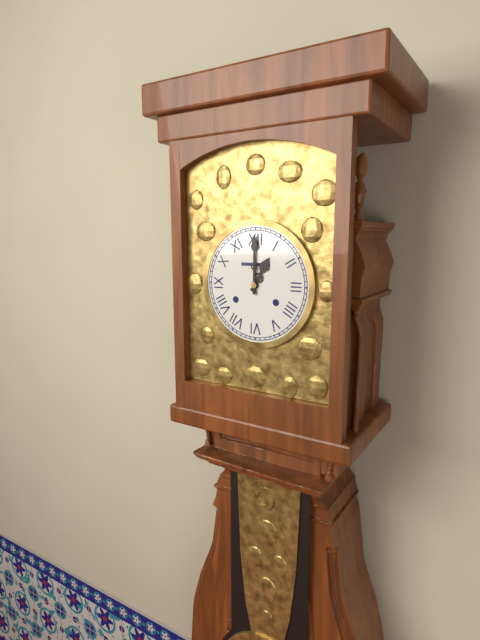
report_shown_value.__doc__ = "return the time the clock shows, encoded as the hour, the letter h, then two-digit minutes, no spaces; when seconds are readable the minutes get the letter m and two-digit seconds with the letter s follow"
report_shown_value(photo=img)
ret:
1h00
